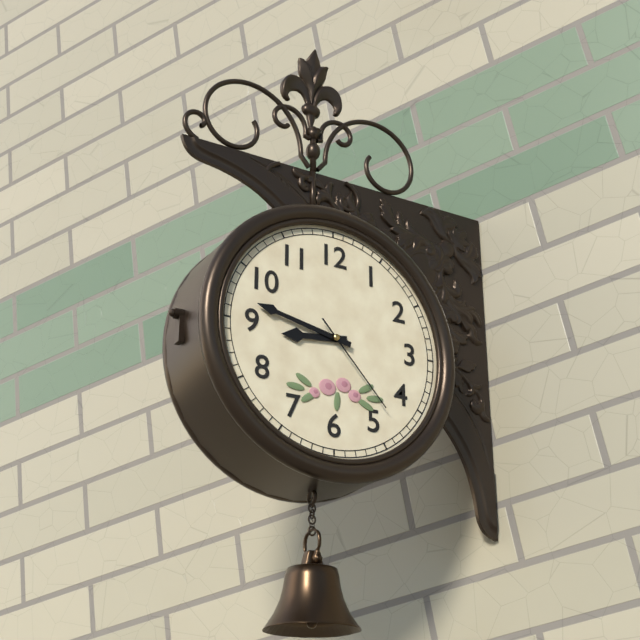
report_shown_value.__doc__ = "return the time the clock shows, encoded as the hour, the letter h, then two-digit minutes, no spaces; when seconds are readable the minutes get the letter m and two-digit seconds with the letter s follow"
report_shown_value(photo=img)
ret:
8h47m23s
